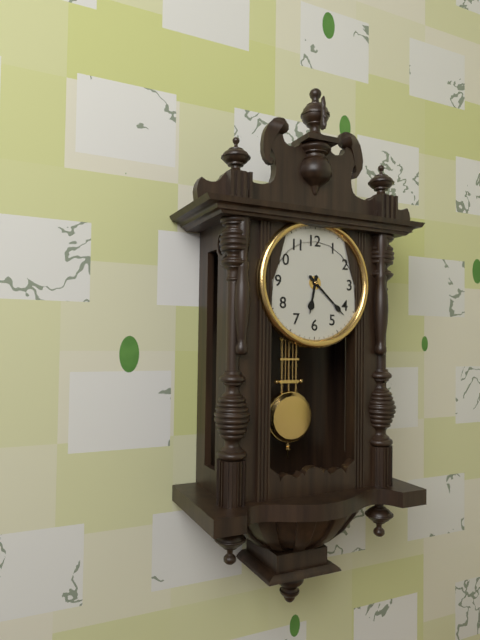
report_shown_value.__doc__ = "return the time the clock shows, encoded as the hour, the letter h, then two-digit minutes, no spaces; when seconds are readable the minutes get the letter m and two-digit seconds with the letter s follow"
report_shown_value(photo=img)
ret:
6h22
